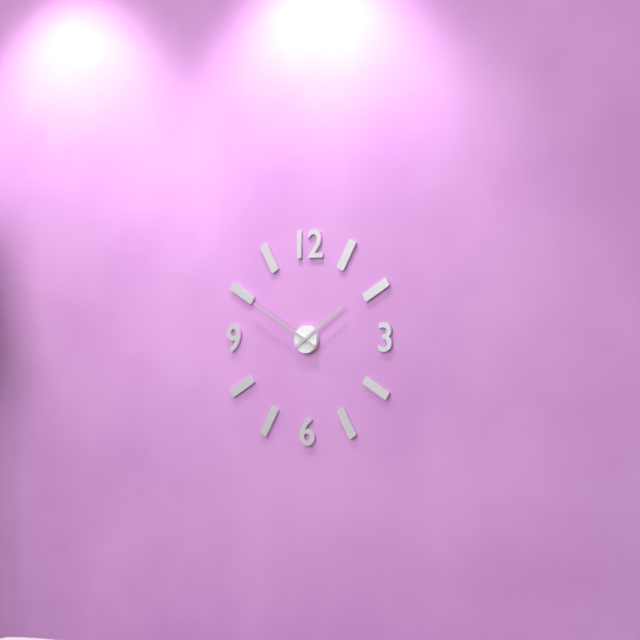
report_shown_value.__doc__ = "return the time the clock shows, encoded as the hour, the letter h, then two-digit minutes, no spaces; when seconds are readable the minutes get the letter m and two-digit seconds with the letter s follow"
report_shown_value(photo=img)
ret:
1h50
